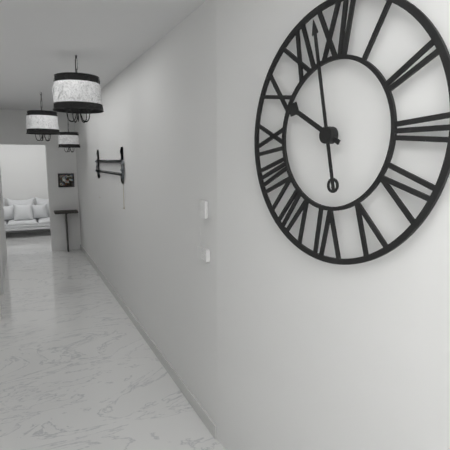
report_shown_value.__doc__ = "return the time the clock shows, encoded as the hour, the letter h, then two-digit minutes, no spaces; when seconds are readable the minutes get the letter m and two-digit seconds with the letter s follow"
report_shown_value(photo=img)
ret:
9h58
